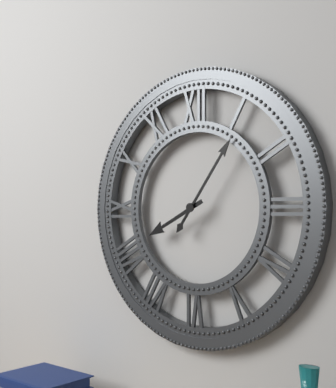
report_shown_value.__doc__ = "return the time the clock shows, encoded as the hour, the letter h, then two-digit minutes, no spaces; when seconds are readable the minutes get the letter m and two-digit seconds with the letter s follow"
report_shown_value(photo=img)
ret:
8h06
